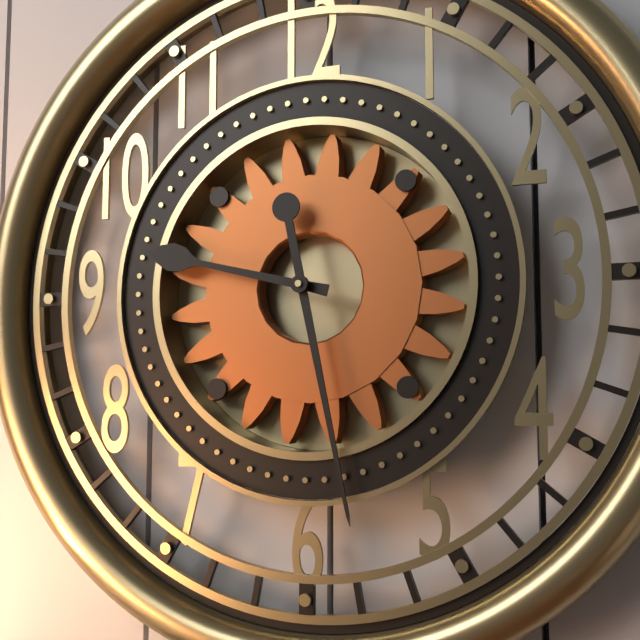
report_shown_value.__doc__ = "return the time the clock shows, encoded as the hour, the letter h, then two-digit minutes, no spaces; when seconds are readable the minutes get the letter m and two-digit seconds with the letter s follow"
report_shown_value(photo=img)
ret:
9h28
